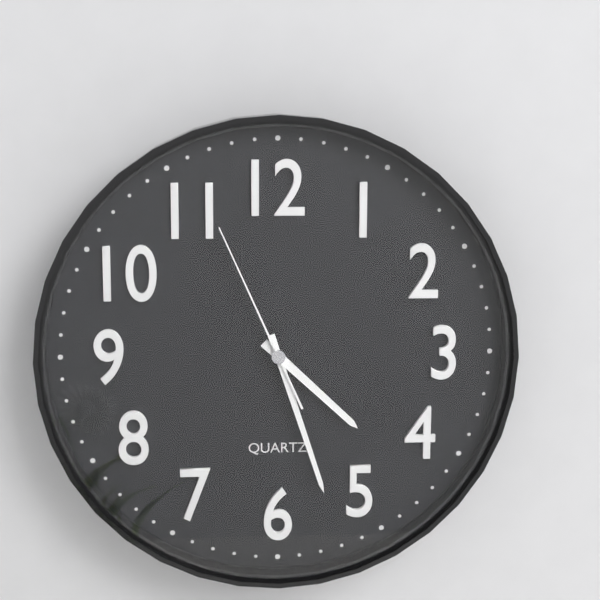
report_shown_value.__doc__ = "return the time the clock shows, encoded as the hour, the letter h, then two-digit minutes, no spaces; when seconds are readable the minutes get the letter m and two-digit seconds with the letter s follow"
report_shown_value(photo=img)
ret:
4h27m56s
